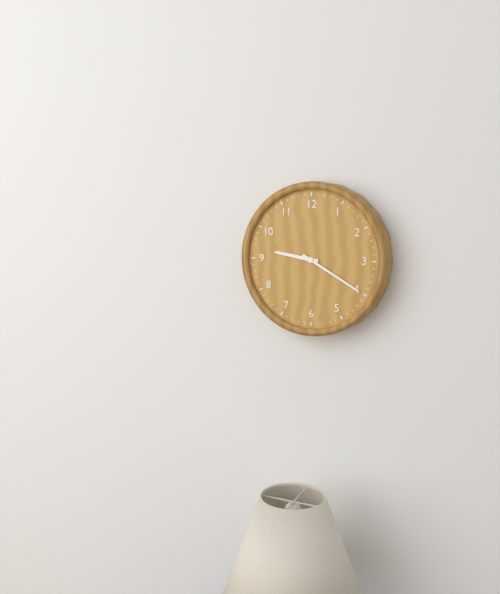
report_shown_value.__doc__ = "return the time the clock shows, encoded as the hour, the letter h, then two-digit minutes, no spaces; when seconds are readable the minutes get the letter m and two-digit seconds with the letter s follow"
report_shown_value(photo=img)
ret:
9h20
